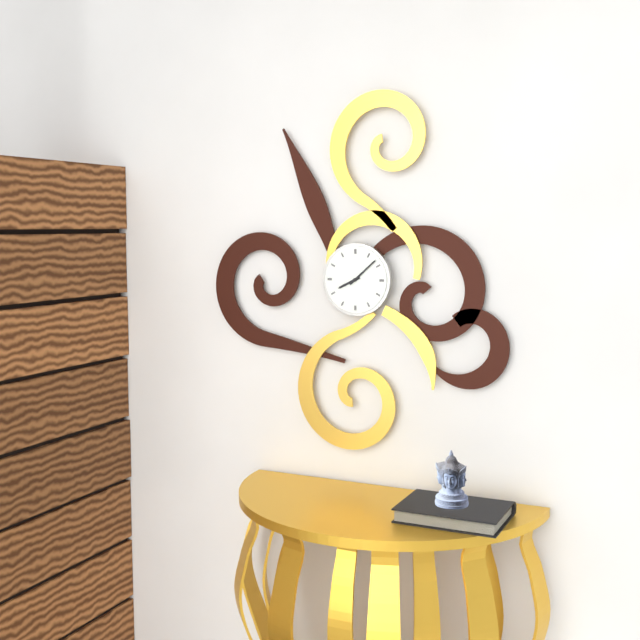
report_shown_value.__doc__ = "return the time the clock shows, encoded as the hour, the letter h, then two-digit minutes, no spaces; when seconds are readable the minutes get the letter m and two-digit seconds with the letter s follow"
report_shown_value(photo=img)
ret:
8h08
